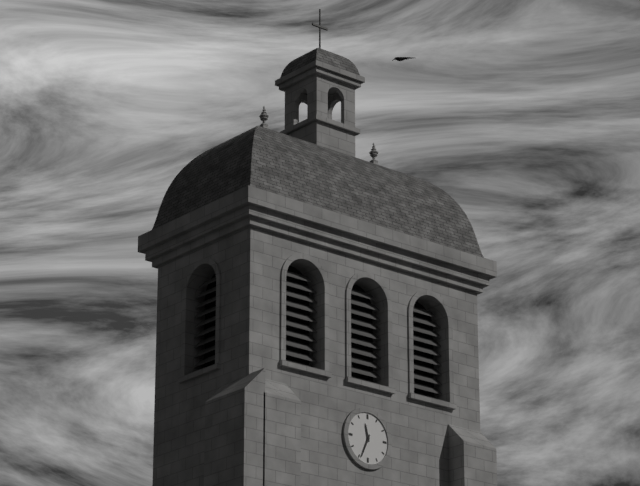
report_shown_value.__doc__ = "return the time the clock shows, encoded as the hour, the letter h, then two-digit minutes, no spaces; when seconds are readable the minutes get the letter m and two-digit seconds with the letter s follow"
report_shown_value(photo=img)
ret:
11h34
